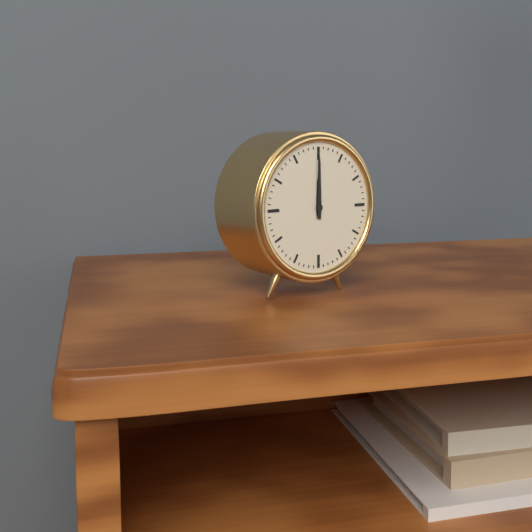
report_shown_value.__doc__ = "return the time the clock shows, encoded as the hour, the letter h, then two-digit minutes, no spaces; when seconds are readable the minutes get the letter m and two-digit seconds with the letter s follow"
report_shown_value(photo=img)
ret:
12h00
